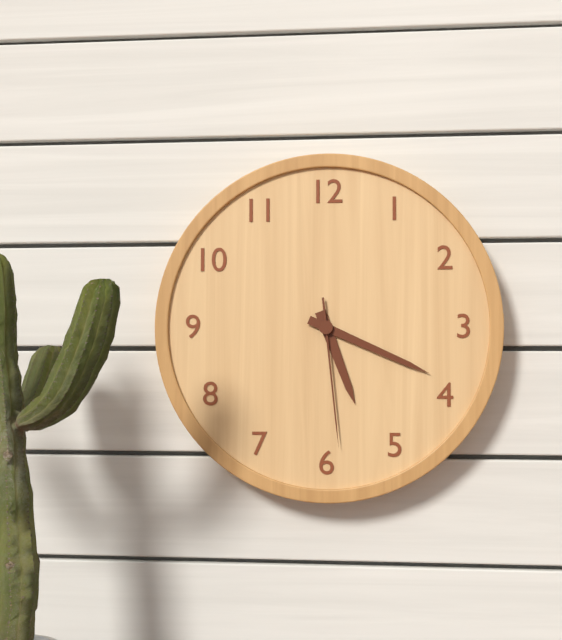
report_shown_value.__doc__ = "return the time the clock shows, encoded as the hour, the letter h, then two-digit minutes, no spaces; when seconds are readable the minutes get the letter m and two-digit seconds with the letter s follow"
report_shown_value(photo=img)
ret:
5h19m29s
